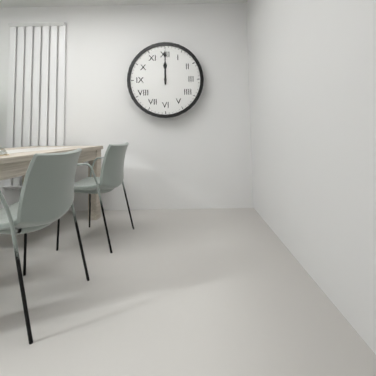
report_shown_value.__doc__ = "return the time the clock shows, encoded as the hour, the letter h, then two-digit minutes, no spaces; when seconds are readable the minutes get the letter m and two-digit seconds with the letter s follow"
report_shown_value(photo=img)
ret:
12h00
